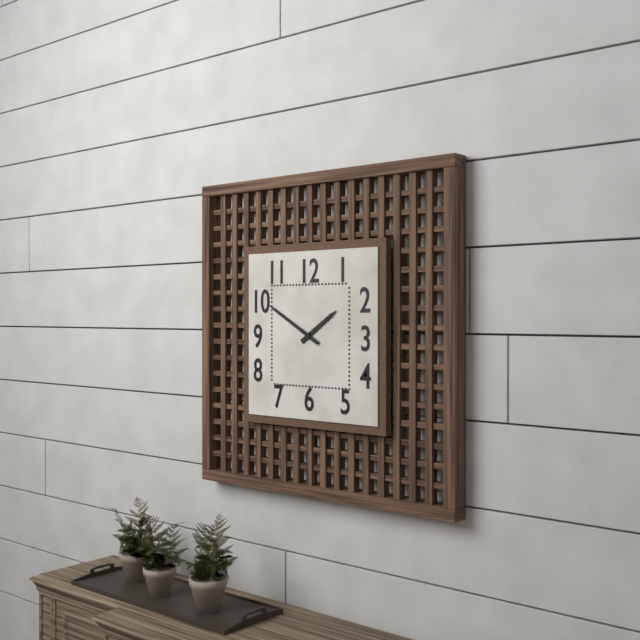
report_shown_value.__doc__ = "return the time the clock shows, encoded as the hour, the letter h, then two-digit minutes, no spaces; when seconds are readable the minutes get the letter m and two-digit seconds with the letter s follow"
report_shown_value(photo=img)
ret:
1h50
